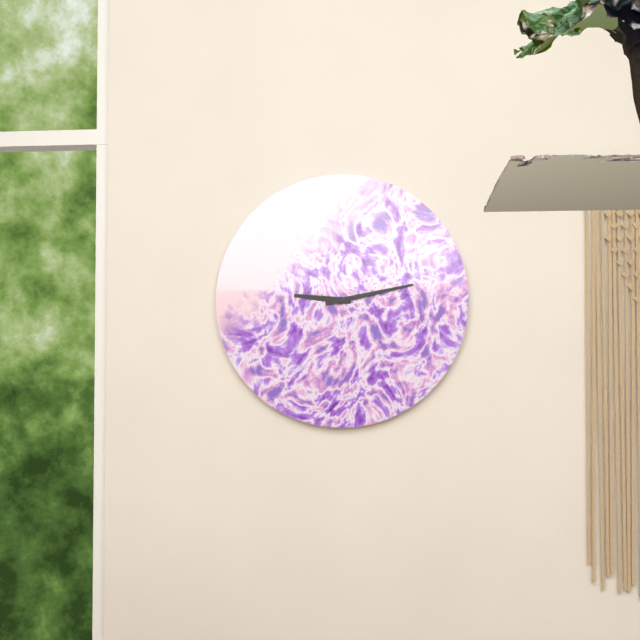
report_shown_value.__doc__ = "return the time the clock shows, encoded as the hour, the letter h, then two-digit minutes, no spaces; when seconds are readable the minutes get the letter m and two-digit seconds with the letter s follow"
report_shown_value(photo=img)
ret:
9h13
